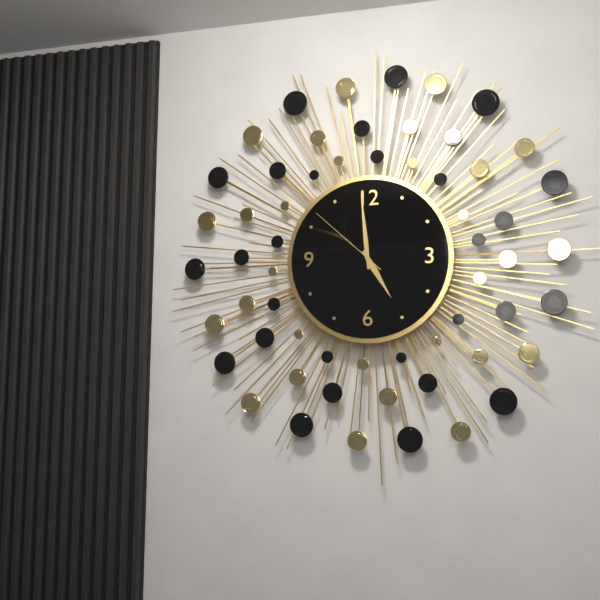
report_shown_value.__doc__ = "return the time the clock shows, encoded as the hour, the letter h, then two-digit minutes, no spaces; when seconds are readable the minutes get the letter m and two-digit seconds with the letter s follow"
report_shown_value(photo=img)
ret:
4h59m52s
